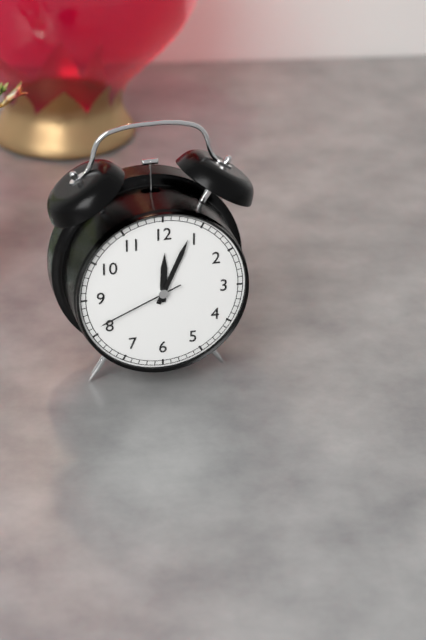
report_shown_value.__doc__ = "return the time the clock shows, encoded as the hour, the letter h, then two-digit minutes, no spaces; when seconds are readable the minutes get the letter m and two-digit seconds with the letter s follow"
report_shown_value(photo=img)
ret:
12h04m41s
